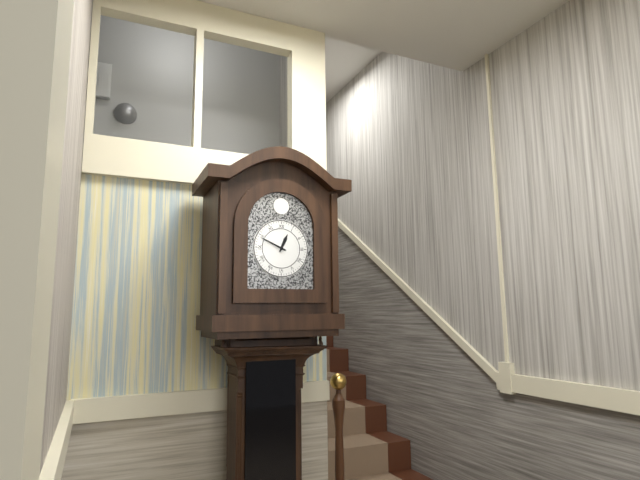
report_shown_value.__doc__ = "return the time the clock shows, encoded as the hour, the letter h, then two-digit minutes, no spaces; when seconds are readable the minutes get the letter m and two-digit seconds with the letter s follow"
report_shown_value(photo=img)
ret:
12h49
